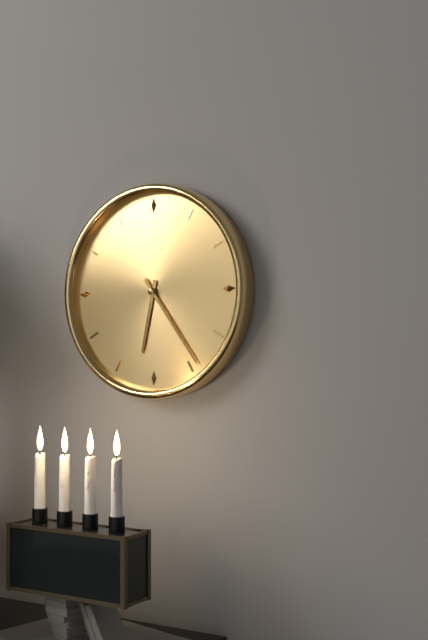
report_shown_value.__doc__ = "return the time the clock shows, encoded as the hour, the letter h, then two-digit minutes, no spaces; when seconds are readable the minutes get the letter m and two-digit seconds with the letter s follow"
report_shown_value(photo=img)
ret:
6h24
